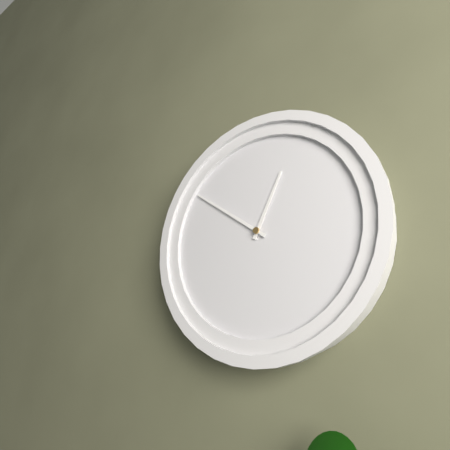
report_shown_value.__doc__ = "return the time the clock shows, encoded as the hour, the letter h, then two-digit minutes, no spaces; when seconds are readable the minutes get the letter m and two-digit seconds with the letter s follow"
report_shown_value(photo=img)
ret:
12h51
